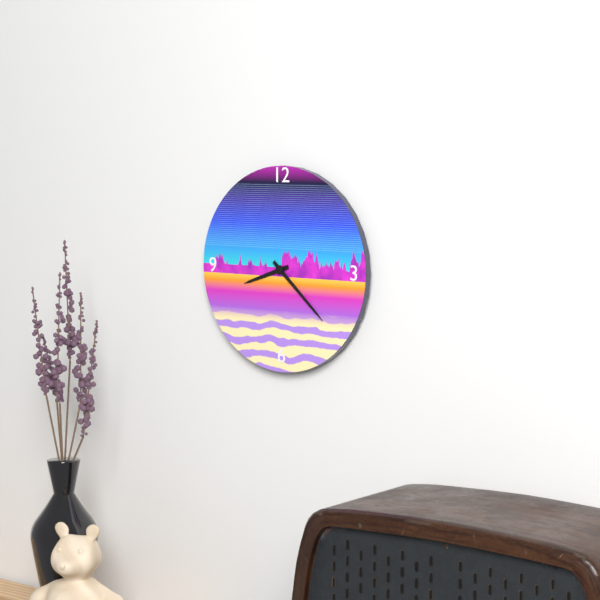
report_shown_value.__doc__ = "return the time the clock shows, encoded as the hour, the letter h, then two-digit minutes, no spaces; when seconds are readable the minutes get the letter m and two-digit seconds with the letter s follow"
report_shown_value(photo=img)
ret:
8h22
